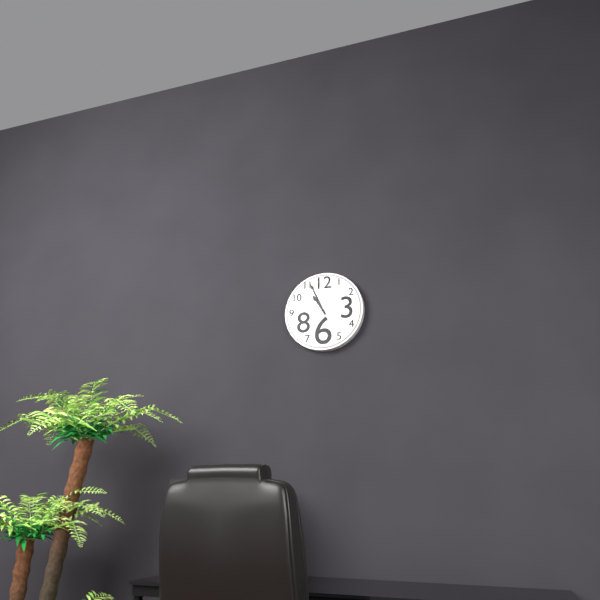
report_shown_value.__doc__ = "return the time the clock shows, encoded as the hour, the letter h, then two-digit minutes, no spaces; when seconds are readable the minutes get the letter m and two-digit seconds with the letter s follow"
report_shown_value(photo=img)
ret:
10h56
